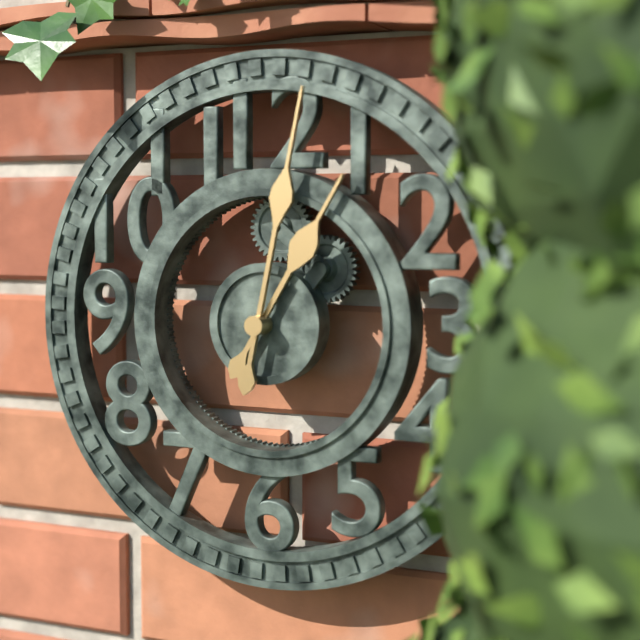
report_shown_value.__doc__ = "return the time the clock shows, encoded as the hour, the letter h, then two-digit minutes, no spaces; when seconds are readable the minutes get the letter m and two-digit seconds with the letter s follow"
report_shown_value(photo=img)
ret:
1h02
